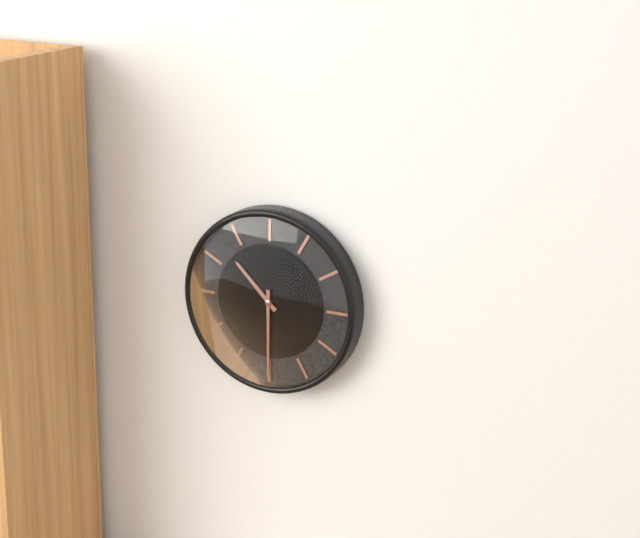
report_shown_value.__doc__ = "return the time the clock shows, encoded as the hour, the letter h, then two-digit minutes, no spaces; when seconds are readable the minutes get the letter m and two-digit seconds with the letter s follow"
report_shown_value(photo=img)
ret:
10h30
